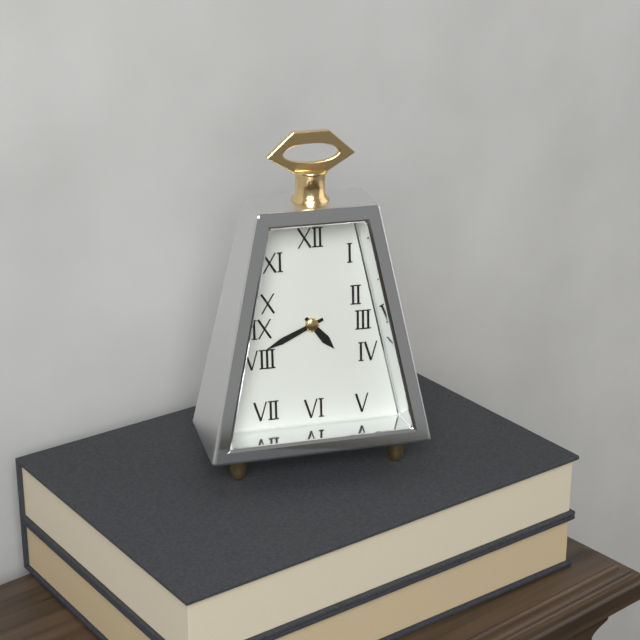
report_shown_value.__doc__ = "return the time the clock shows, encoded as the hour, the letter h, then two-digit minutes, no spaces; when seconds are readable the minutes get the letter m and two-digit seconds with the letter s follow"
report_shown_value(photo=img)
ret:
4h41
